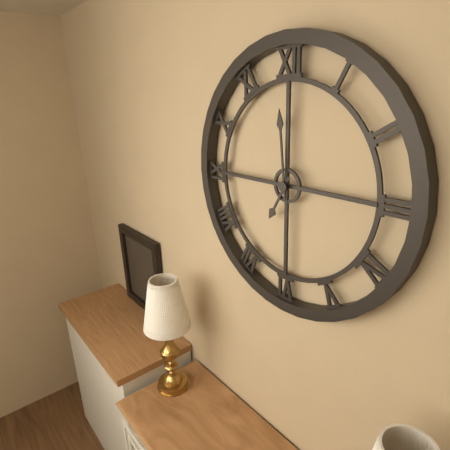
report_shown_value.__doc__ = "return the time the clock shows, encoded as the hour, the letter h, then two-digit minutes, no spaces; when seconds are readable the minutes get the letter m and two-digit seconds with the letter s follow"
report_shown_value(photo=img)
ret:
6h59
